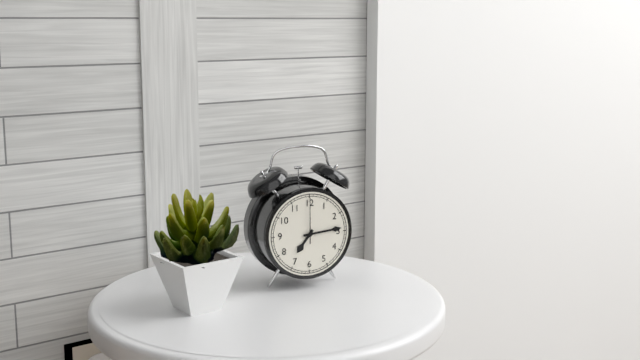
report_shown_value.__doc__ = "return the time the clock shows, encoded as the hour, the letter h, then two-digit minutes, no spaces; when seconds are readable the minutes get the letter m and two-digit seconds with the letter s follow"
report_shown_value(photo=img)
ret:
7h14
